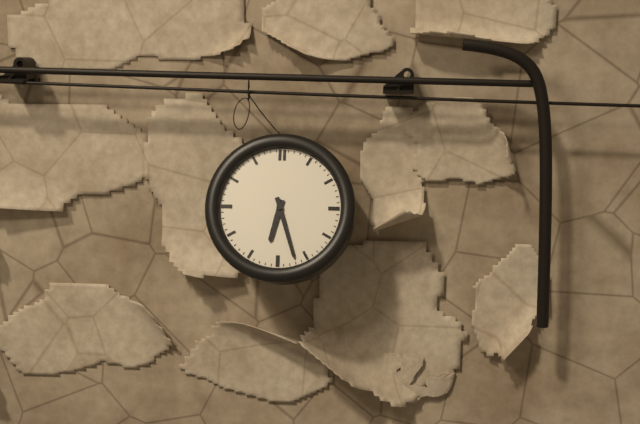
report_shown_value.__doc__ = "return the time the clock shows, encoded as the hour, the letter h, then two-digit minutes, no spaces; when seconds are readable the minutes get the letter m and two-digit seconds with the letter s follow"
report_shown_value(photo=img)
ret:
6h27
